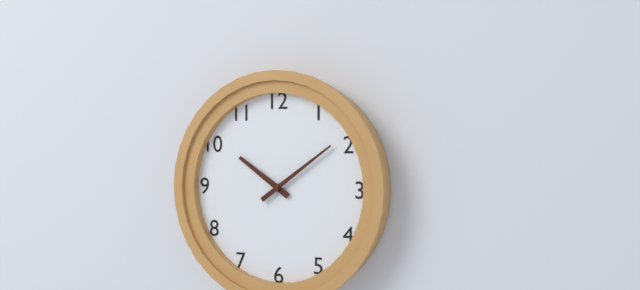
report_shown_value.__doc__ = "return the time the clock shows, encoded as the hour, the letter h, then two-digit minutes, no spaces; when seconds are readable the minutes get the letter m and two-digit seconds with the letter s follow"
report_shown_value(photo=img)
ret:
10h09
